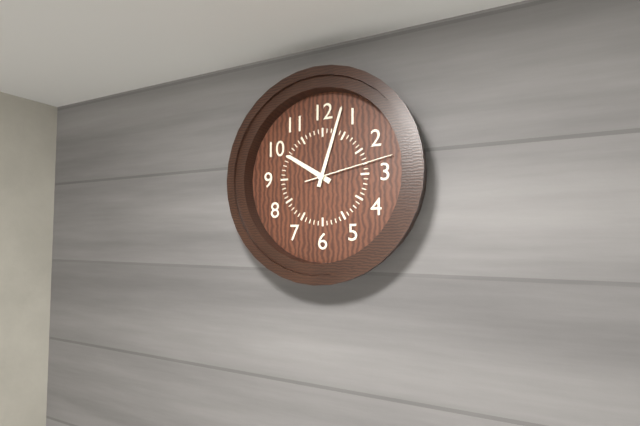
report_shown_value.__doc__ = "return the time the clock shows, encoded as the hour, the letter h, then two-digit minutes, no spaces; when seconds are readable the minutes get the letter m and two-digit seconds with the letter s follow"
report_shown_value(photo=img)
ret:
10h03m13s
